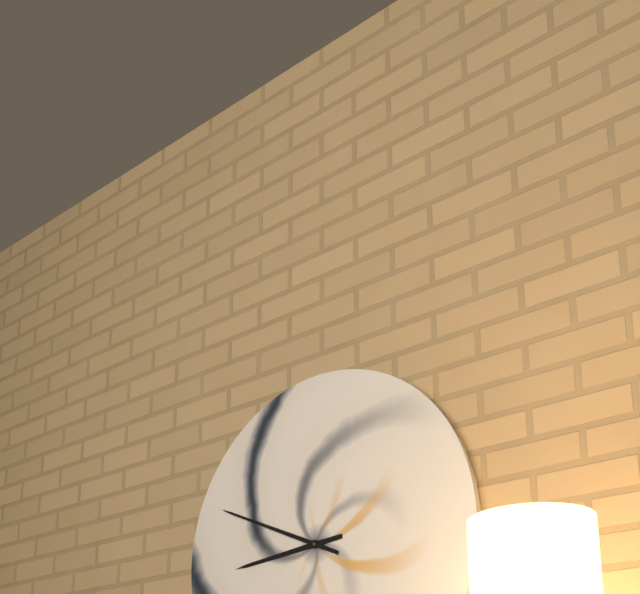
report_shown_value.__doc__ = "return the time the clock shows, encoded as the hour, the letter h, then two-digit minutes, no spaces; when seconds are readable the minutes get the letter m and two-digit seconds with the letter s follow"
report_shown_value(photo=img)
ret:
8h49
